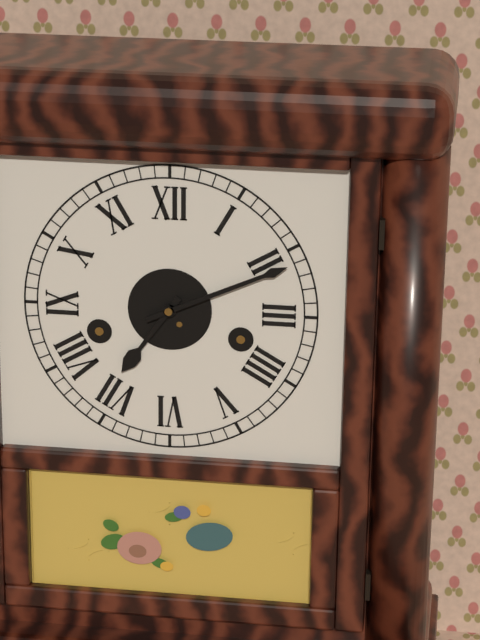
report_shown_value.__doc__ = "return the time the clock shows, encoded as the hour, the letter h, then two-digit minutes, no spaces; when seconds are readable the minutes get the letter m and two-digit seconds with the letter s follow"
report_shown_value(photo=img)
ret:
7h11
